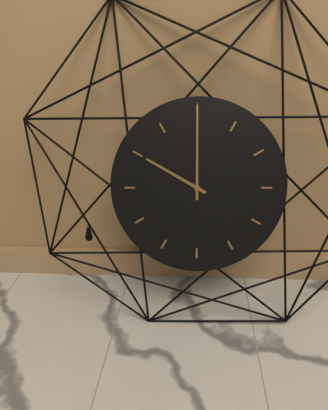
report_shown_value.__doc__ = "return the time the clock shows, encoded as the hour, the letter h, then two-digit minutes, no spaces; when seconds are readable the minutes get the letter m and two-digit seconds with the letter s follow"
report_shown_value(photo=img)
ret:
10h00
